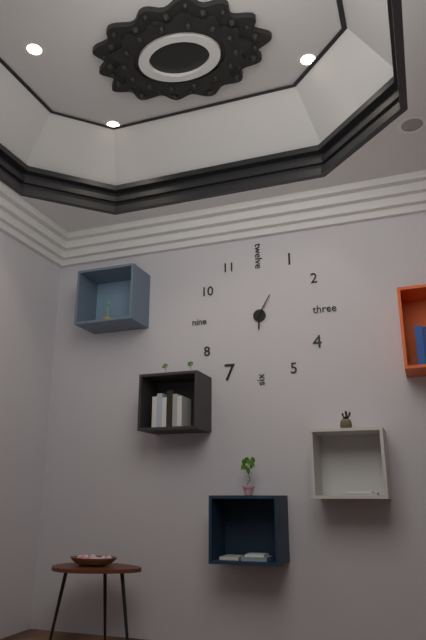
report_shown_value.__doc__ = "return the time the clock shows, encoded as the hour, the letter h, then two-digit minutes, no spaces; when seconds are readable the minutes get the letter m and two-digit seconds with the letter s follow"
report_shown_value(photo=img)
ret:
6h05
